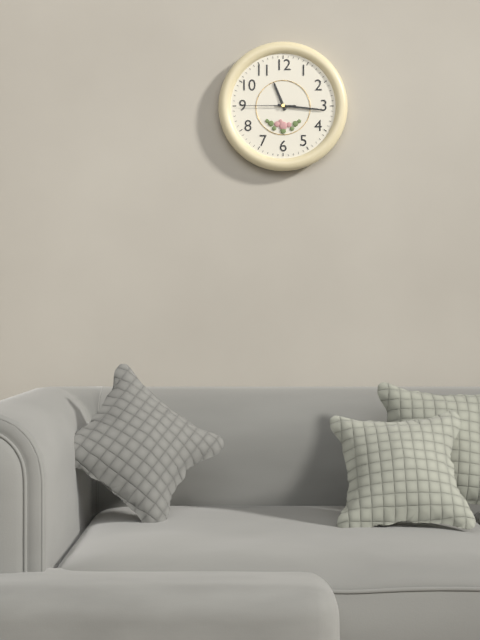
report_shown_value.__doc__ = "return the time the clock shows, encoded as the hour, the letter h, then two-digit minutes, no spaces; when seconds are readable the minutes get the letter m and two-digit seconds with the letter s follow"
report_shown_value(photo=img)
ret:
11h16m45s
